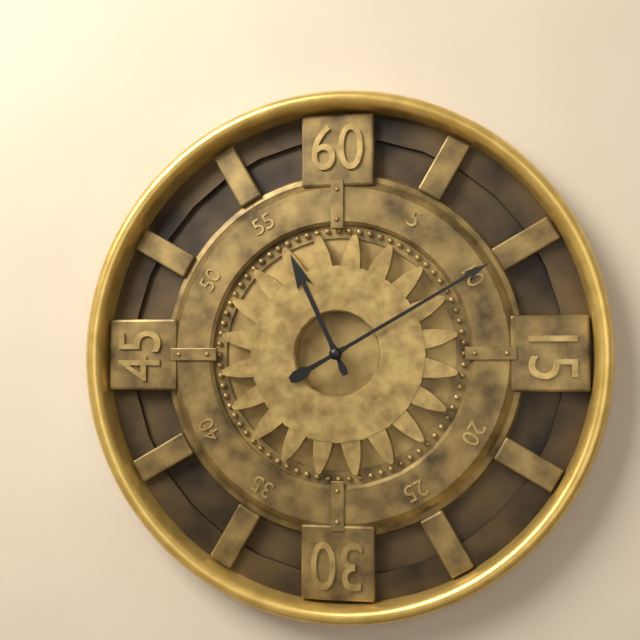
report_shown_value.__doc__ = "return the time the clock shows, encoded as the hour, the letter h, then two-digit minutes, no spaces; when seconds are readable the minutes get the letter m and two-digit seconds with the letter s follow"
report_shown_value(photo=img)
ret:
11h10
